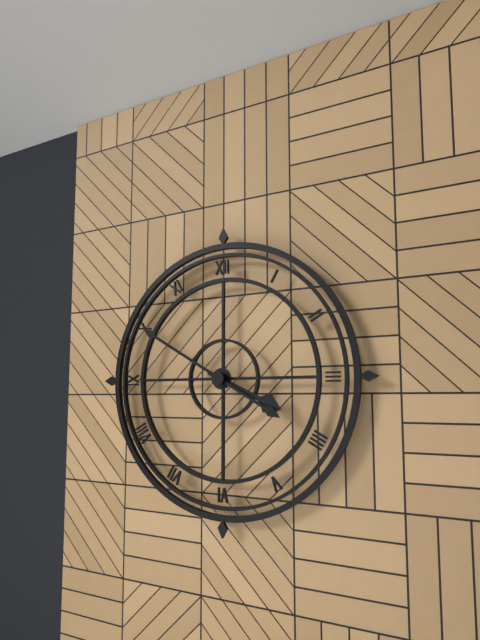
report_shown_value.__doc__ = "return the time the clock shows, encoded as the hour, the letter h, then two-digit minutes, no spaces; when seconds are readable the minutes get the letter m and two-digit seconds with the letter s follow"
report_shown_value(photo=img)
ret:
3h50
